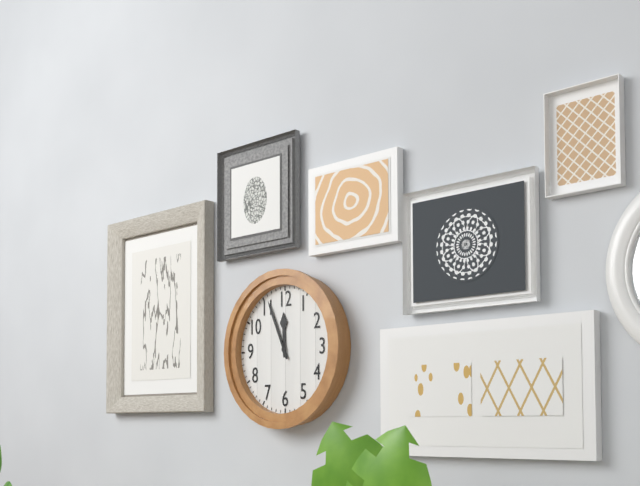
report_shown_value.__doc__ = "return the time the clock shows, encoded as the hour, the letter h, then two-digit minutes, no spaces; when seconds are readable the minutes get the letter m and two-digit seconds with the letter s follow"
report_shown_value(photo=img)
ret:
11h56
